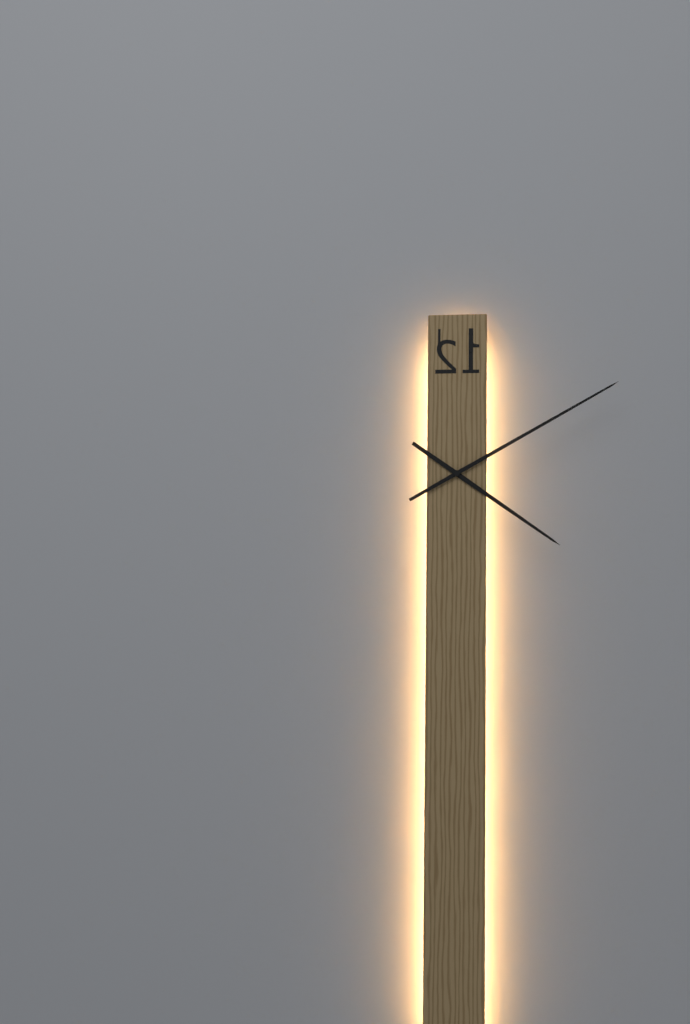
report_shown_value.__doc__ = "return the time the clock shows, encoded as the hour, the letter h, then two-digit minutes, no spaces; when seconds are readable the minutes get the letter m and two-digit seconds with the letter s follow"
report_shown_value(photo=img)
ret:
4h10
